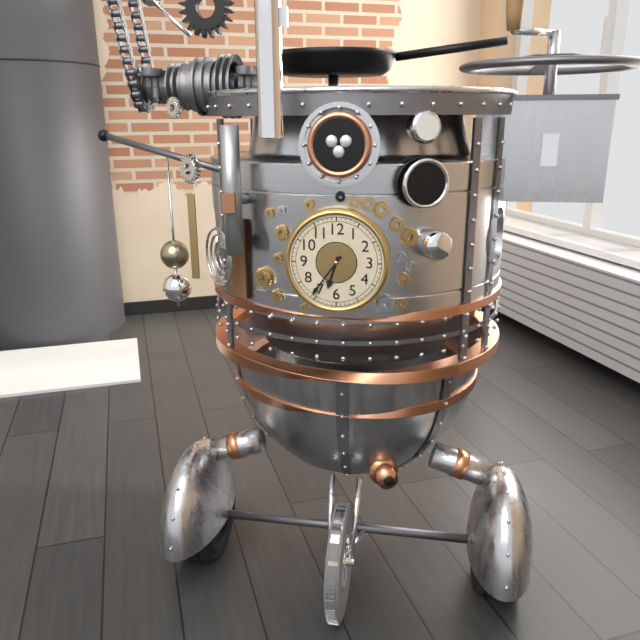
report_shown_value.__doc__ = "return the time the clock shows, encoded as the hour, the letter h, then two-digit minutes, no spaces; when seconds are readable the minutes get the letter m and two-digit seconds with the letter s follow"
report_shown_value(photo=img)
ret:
6h36
